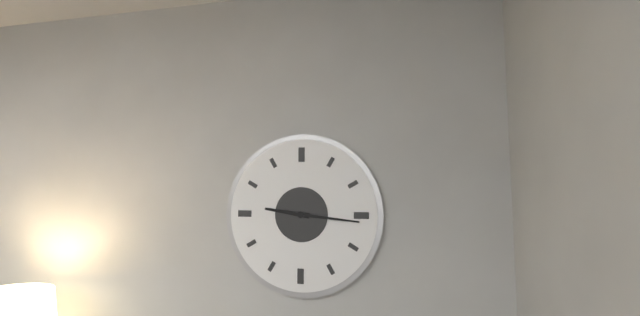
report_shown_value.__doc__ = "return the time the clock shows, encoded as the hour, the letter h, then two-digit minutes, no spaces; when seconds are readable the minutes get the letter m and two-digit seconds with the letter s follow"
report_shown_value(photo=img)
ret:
9h16
